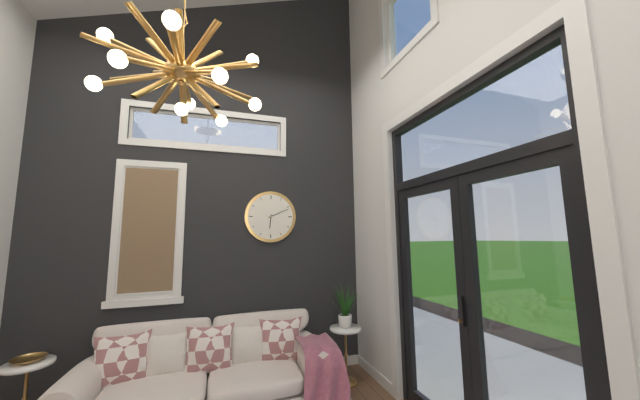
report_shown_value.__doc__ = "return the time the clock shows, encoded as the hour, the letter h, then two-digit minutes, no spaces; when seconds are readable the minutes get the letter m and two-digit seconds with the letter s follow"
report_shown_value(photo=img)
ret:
6h11
